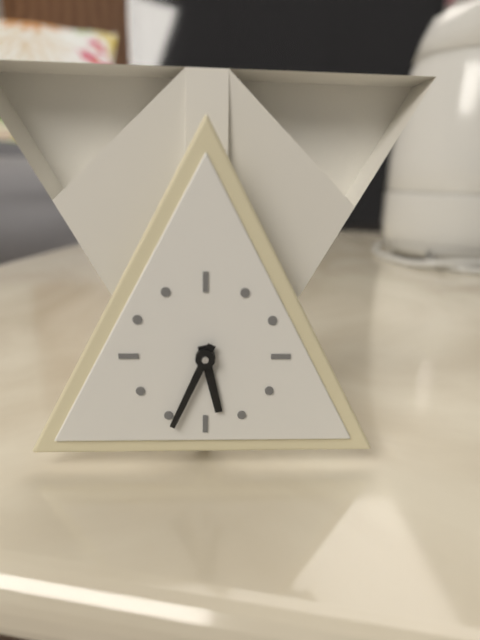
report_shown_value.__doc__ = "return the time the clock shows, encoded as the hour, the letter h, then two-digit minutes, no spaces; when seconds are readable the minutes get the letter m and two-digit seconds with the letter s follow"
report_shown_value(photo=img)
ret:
5h34
